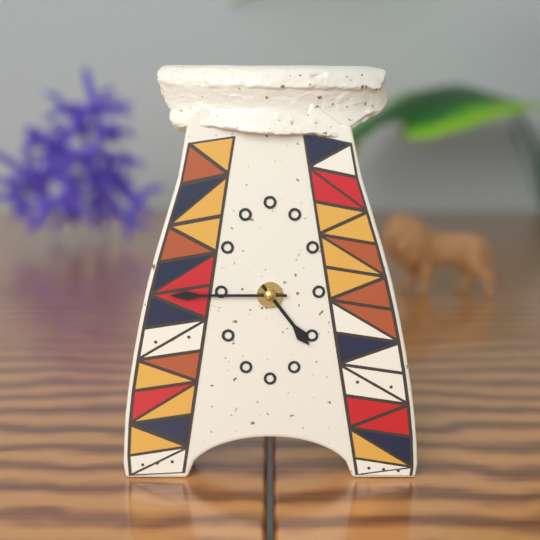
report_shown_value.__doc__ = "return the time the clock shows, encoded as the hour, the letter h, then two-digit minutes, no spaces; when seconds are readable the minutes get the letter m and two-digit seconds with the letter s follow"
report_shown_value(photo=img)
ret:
4h45
